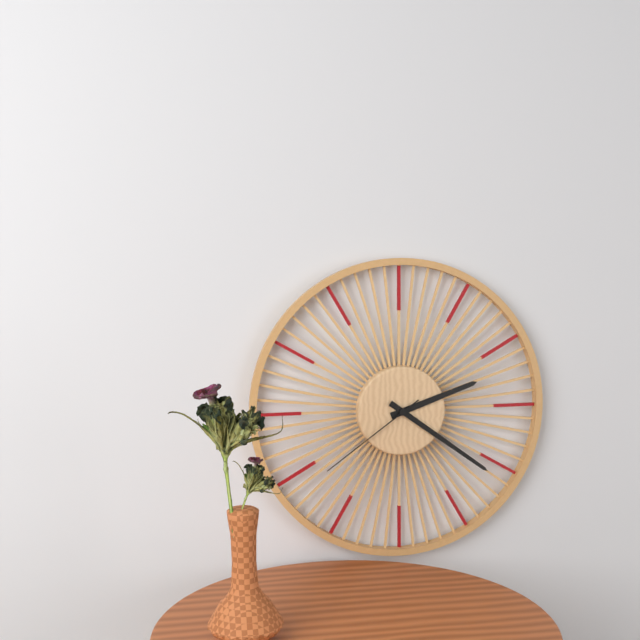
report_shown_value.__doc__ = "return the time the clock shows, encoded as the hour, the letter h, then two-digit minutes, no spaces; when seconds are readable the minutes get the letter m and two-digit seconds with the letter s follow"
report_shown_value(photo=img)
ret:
2h21m39s
